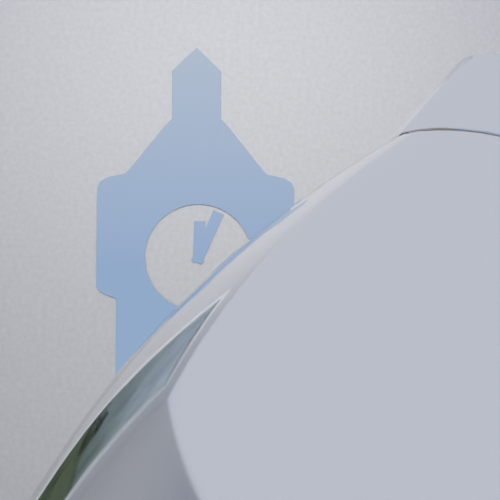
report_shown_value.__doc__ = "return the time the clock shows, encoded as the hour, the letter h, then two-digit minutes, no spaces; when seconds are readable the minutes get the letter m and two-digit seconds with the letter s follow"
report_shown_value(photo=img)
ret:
12h04
